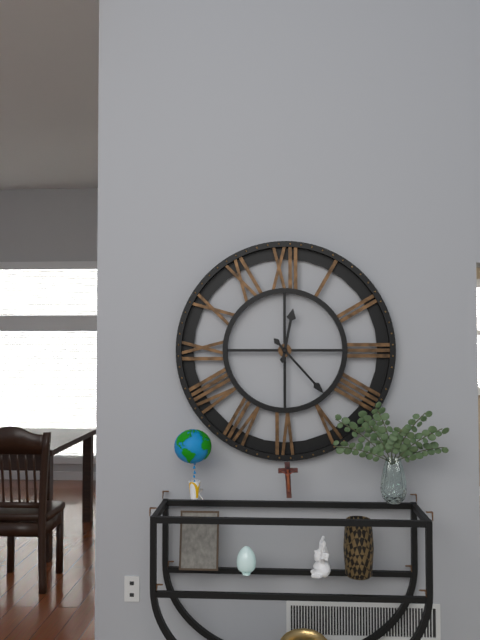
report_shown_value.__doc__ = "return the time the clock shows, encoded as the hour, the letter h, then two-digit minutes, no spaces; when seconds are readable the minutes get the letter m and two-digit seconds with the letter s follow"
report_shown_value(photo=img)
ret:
12h23
